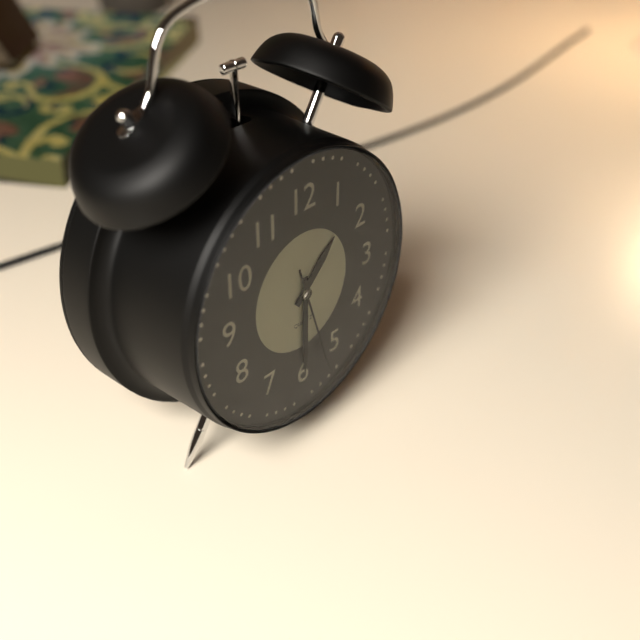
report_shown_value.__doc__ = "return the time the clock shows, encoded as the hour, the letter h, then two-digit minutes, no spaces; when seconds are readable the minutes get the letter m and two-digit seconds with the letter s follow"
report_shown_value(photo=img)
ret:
1h30m27s
